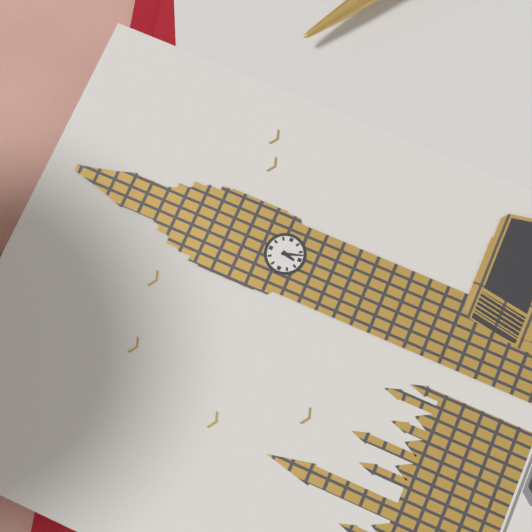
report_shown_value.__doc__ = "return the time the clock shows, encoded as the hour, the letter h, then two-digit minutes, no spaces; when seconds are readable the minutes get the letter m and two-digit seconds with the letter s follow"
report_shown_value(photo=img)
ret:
6h27
